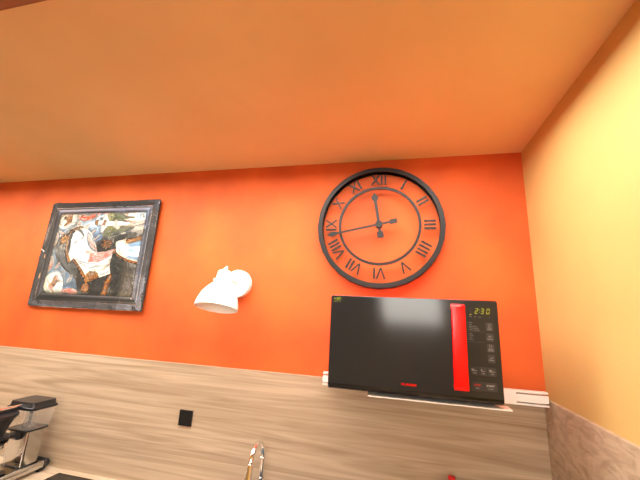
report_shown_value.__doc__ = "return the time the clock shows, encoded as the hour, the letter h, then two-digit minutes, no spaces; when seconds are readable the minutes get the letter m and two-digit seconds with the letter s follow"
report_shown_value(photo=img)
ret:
11h43
